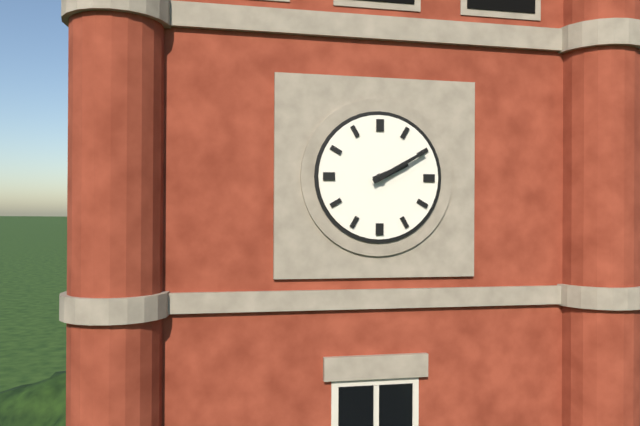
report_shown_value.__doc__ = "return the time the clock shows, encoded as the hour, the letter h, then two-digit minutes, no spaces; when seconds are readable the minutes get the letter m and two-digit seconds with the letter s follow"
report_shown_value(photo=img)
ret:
2h10
